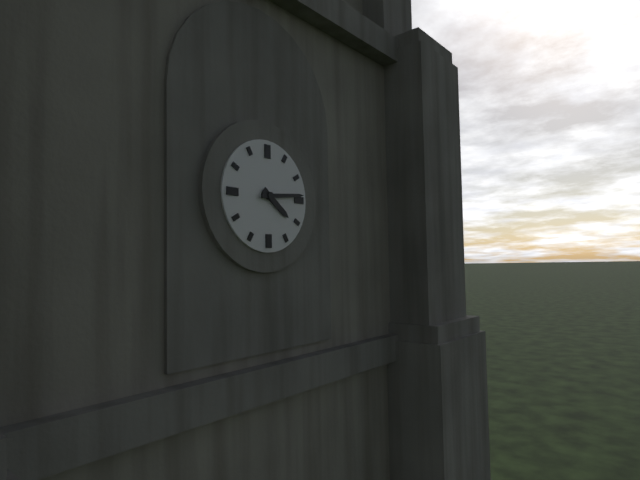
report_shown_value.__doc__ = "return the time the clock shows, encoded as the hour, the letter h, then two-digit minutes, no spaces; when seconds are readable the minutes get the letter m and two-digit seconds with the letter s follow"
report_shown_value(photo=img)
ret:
4h14
